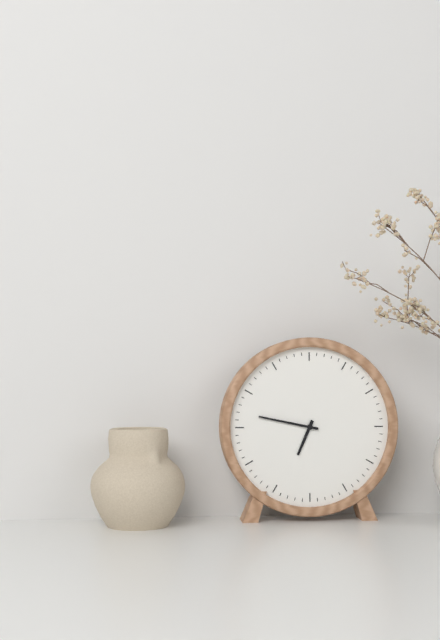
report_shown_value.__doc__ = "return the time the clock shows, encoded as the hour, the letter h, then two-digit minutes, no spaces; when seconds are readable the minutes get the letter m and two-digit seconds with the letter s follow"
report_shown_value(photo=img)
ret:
6h47
